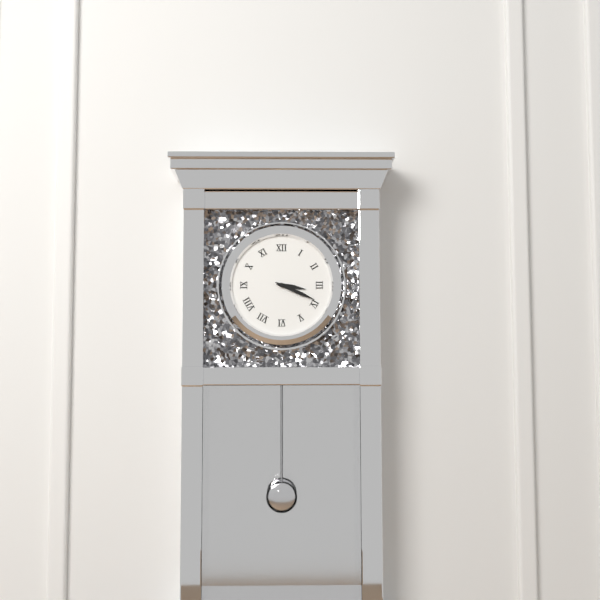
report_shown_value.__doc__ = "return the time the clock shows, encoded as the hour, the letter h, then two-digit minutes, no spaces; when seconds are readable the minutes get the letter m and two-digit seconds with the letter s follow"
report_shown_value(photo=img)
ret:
3h19
